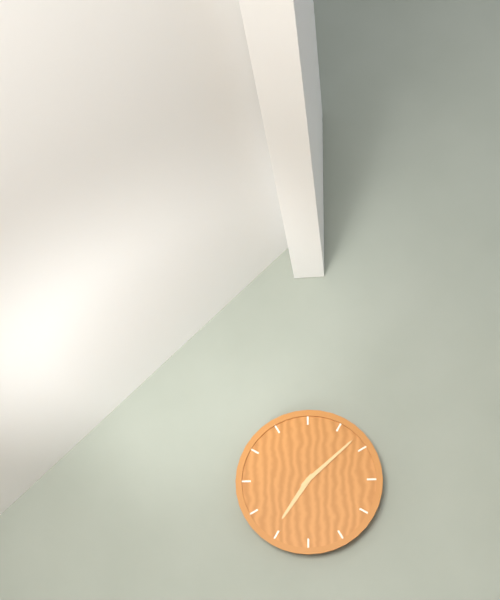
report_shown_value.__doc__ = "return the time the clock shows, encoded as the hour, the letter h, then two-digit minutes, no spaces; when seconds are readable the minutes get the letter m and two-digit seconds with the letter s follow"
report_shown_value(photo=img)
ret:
7h08
